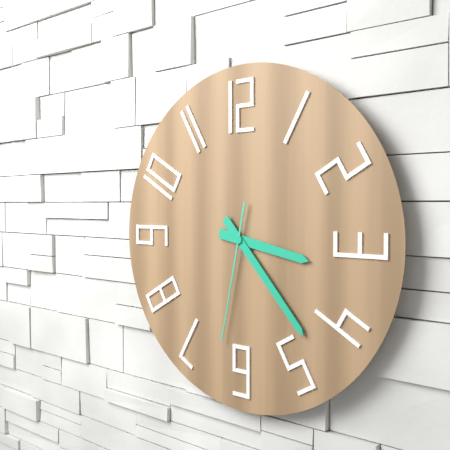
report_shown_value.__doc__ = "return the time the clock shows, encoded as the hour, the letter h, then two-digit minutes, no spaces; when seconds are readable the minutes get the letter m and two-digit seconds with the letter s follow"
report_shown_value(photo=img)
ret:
3h23m32s
